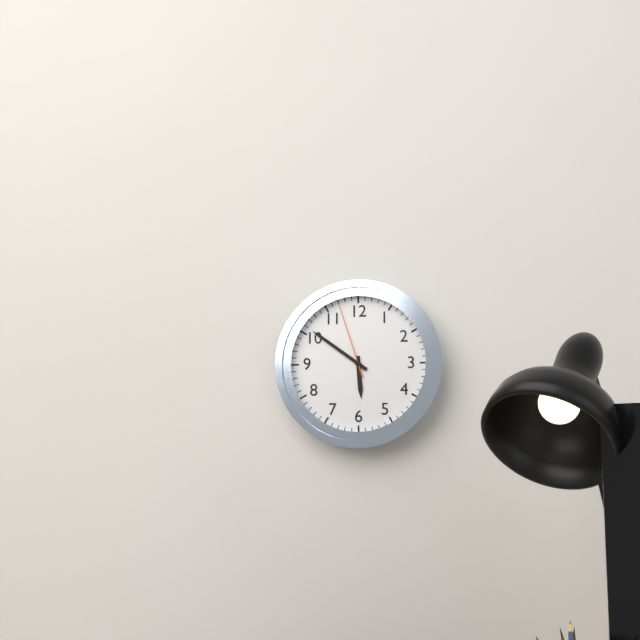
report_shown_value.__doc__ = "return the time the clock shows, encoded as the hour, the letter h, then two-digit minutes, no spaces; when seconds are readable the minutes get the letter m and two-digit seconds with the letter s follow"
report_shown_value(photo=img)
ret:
5h51m57s
